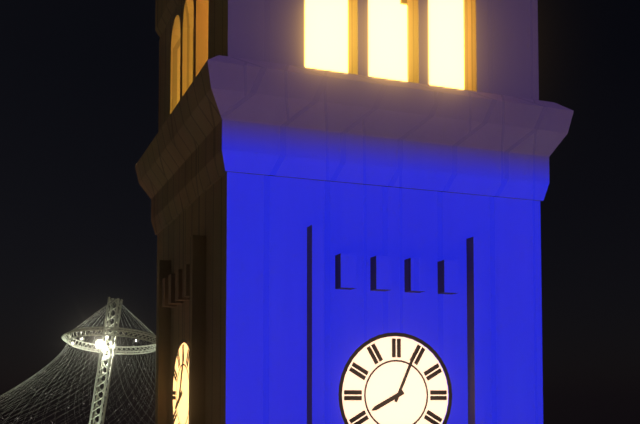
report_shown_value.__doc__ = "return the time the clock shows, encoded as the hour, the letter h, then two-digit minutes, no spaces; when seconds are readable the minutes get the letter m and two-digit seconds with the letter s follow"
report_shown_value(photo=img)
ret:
8h04
